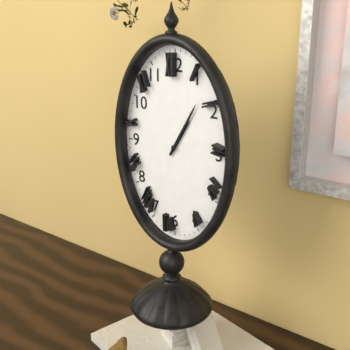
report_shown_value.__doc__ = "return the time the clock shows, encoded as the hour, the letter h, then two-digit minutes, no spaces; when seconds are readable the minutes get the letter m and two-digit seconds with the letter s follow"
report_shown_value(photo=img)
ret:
1h05
